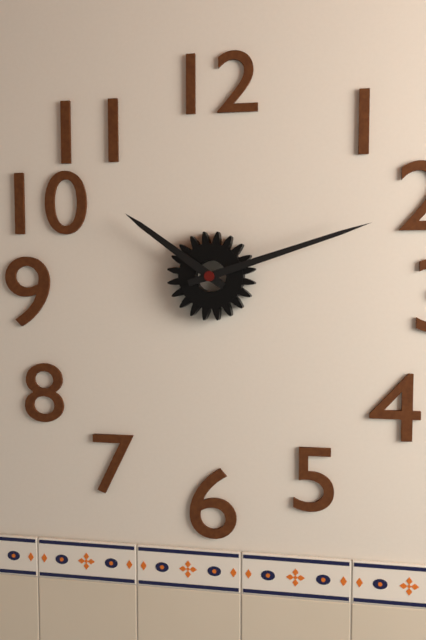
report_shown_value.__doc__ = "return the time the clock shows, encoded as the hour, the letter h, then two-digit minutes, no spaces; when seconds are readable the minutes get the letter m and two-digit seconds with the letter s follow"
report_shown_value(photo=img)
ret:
10h12
